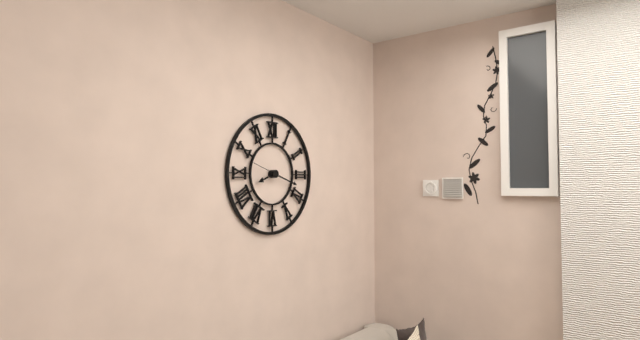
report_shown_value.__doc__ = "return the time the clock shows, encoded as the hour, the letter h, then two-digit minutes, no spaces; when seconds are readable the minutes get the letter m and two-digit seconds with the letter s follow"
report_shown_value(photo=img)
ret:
8h18
